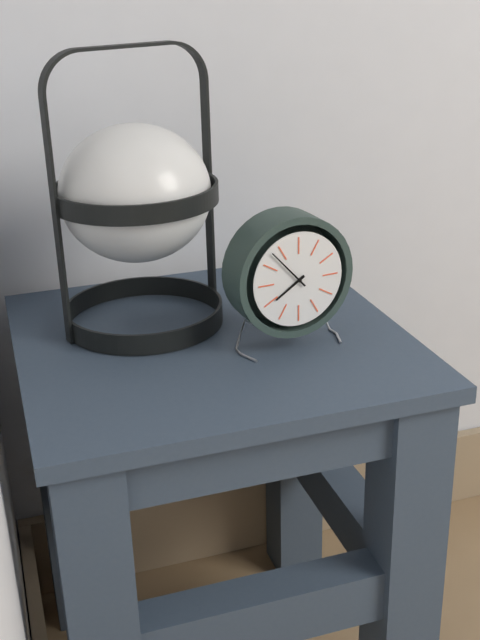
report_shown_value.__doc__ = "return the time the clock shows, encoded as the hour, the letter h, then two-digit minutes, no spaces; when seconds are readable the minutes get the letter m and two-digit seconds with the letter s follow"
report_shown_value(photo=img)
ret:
7h53
